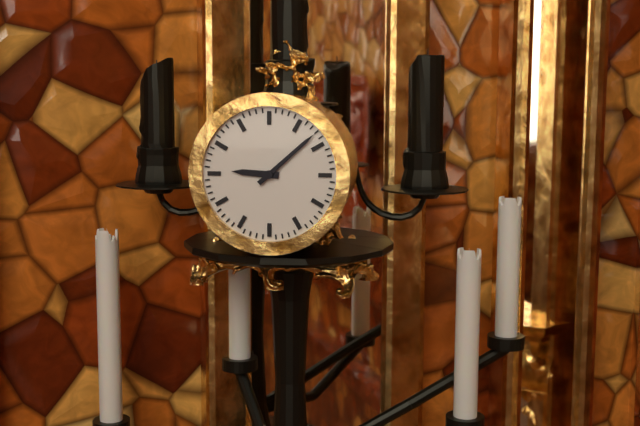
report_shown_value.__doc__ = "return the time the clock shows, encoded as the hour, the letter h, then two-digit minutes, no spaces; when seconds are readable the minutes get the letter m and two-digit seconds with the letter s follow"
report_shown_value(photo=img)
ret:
9h08
